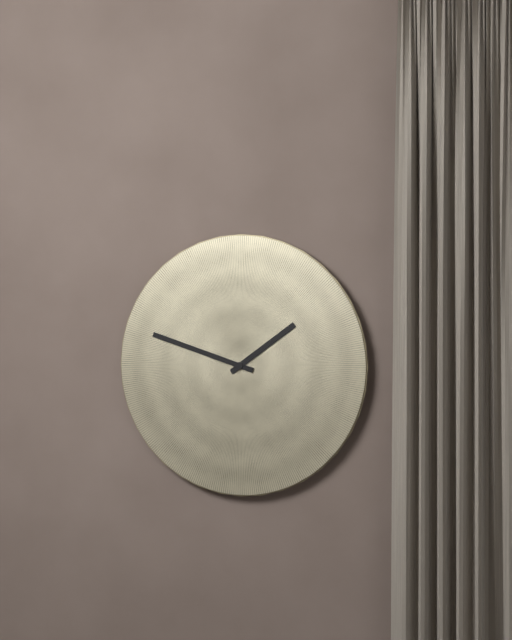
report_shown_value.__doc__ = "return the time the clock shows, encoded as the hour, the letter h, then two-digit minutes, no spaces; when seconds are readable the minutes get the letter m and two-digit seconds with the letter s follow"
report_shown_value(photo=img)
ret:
1h48
